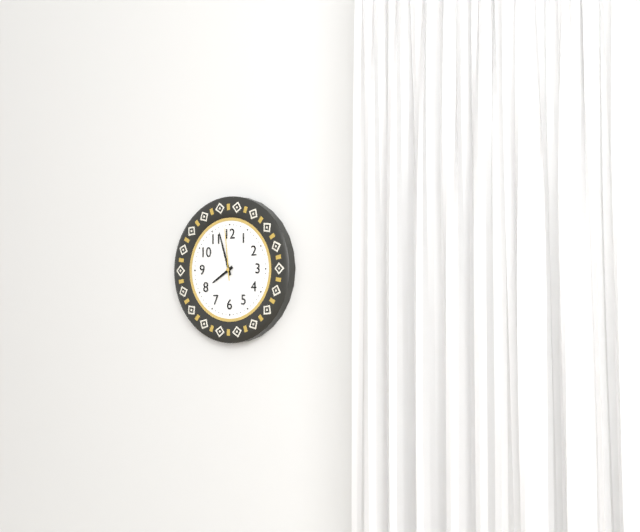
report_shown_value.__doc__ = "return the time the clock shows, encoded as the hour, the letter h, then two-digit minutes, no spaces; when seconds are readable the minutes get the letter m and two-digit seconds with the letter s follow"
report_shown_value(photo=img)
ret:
7h57m59s
